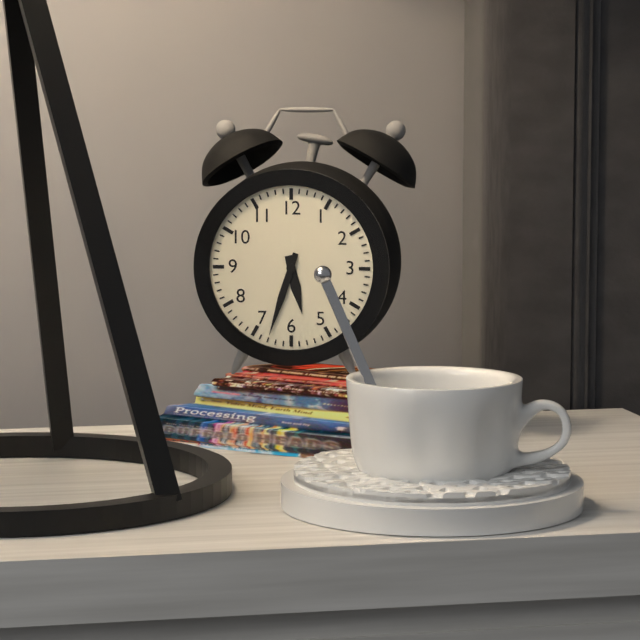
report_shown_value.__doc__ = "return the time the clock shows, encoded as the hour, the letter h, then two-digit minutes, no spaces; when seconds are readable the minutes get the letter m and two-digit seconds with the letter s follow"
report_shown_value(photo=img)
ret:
5h33
